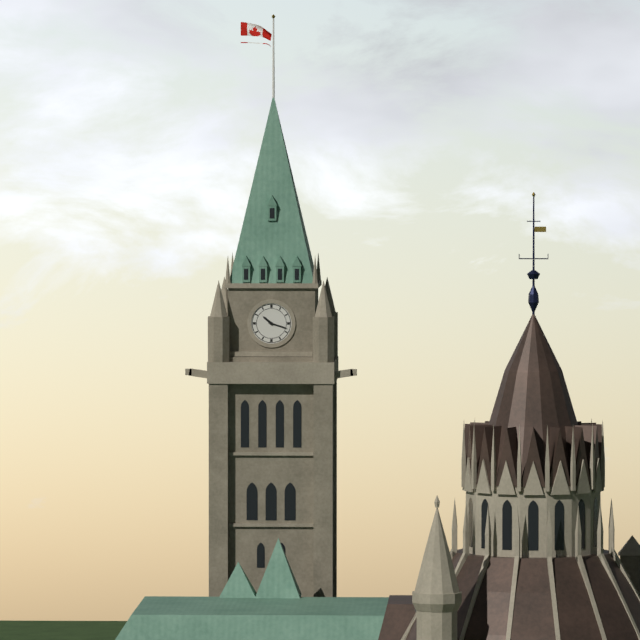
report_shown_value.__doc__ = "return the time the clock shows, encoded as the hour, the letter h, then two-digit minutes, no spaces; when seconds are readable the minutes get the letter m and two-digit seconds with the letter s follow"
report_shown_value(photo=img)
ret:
10h18
